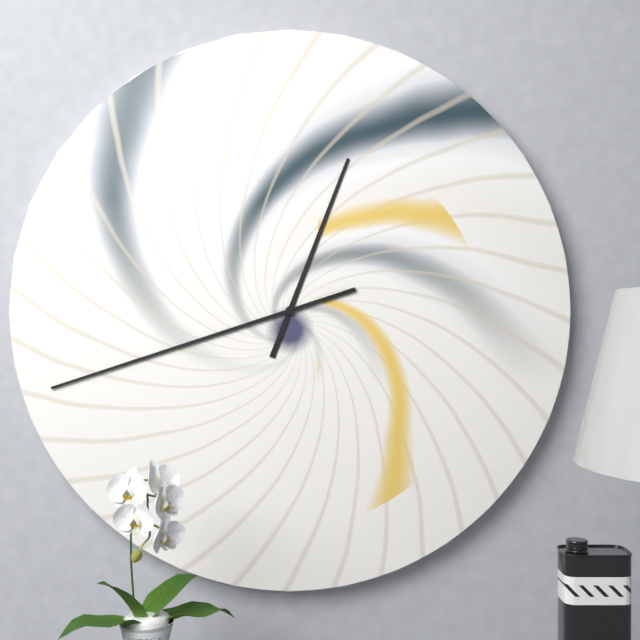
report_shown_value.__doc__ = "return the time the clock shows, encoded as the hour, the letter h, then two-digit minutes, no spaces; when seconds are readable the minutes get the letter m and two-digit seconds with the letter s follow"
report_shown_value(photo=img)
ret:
12h42
